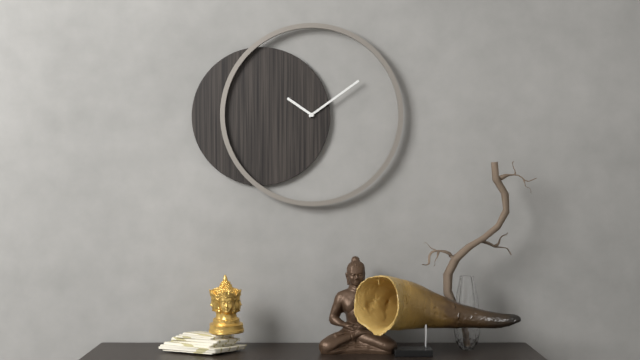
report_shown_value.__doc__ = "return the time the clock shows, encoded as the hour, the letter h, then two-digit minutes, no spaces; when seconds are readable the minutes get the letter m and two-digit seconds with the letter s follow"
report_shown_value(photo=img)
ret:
10h09
